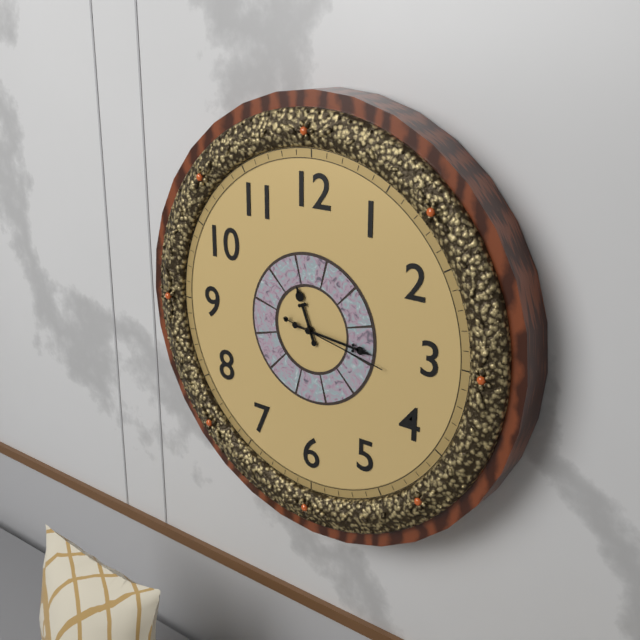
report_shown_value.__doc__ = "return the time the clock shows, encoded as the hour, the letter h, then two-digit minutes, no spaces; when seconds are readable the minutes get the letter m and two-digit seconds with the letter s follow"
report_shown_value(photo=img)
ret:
11h16m17s
